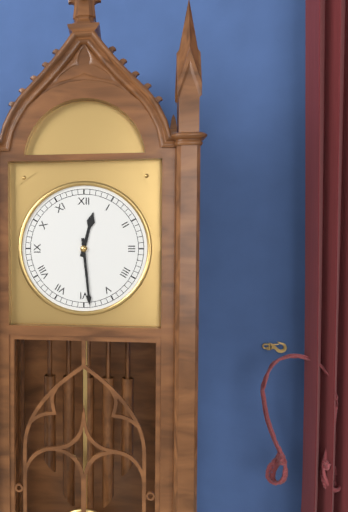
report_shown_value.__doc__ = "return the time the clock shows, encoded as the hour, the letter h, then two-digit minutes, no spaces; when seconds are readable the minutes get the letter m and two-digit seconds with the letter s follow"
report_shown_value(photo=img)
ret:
12h29
